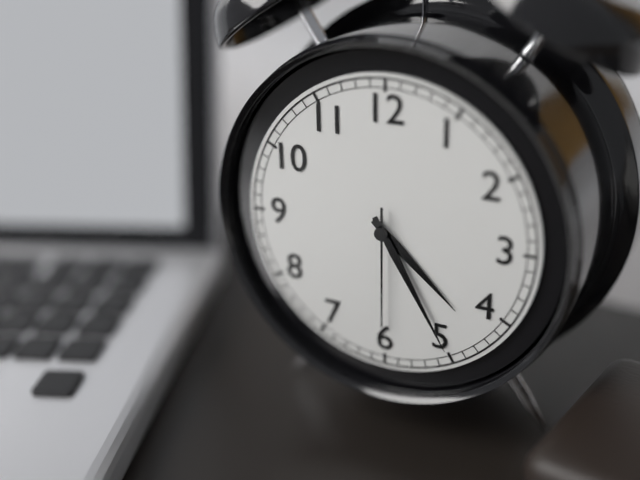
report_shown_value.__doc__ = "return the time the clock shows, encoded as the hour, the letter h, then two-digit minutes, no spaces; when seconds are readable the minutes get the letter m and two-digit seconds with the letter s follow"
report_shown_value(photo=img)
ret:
4h25m30s
